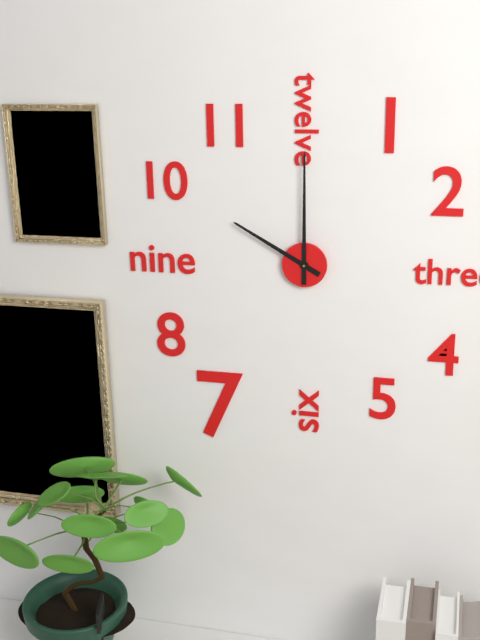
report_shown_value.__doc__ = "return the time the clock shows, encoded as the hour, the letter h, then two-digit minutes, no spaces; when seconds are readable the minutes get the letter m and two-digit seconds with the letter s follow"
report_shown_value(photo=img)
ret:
10h00
